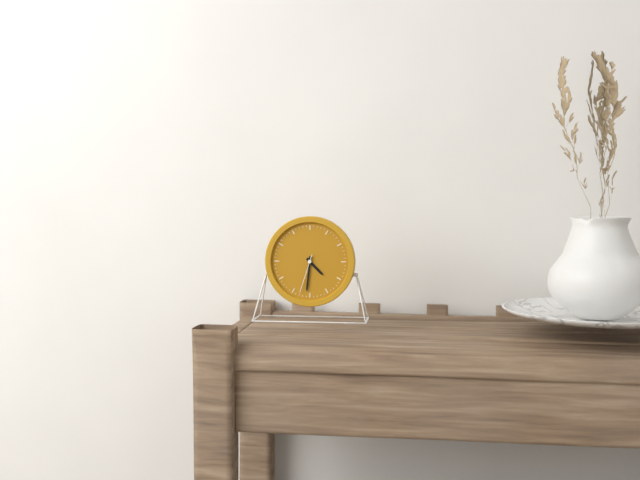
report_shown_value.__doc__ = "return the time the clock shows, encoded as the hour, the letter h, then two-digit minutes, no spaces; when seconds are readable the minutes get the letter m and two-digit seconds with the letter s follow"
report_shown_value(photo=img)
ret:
4h31
